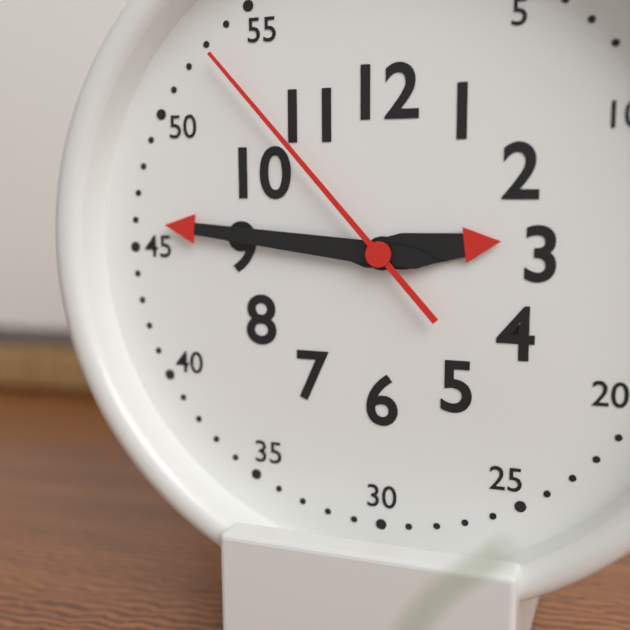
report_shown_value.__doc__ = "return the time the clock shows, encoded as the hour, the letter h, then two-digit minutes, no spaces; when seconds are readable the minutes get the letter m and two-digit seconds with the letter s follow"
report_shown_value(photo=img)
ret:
2h46m53s
